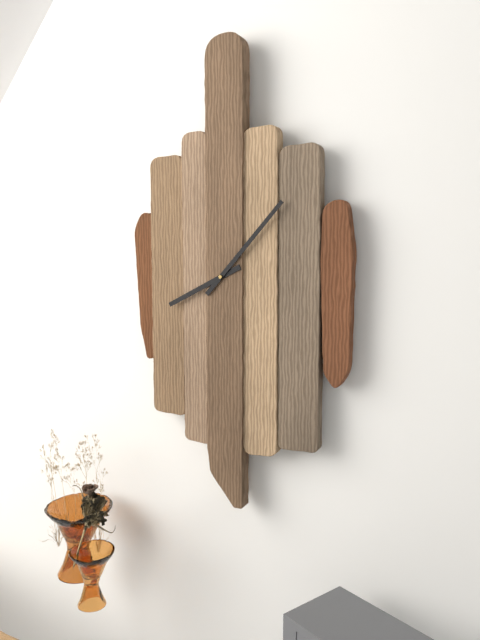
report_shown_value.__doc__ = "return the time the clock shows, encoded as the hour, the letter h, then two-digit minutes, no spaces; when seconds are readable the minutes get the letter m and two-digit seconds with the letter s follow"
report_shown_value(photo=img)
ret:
8h07
